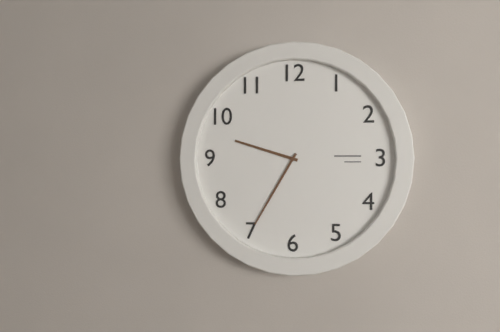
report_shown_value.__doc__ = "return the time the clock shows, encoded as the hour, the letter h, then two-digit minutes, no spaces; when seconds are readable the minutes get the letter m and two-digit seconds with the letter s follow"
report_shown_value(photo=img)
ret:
9h35
